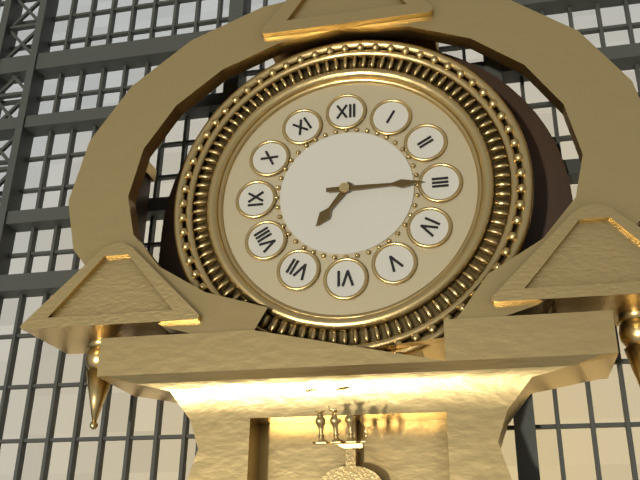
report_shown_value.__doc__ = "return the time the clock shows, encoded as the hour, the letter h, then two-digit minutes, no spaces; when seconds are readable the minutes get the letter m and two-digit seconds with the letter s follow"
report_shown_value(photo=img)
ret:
7h15
